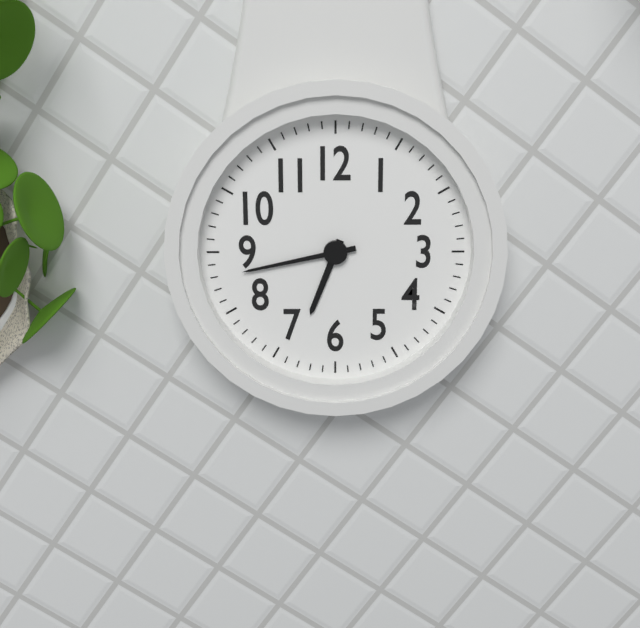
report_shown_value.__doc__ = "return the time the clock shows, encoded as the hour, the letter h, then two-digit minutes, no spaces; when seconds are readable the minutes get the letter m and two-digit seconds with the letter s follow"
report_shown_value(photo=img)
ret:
6h43
